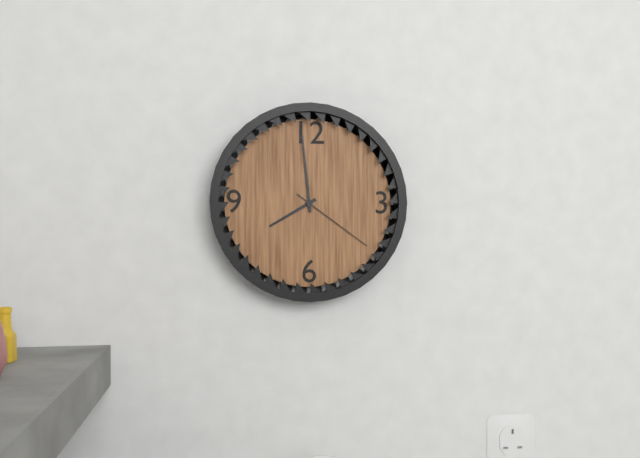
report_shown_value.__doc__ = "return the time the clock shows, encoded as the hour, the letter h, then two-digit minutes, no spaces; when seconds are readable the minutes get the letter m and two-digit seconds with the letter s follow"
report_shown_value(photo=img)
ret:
7h59m21s
